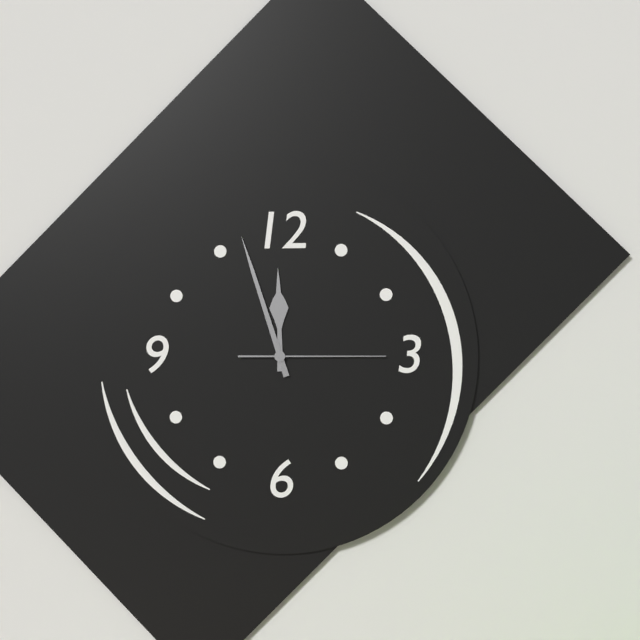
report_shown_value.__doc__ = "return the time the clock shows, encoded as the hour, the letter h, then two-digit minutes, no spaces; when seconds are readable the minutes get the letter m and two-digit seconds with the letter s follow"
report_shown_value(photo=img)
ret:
11h57m15s
